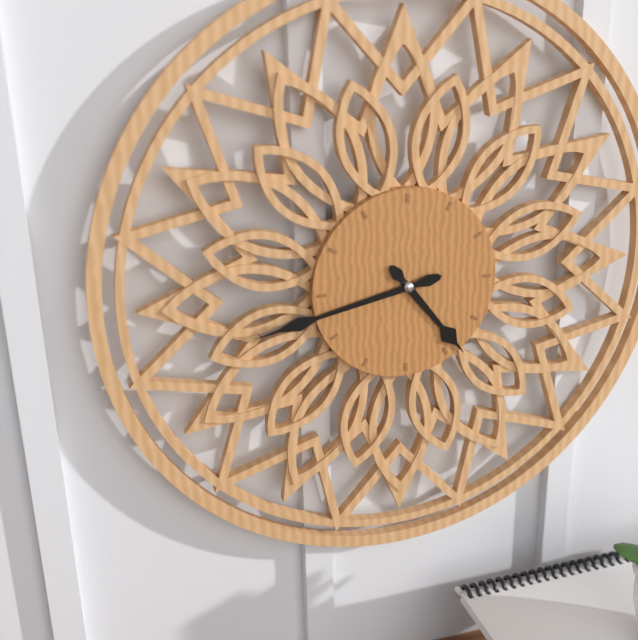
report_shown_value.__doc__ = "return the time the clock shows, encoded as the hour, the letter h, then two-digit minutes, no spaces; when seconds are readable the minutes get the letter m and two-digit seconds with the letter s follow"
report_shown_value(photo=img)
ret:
4h43
